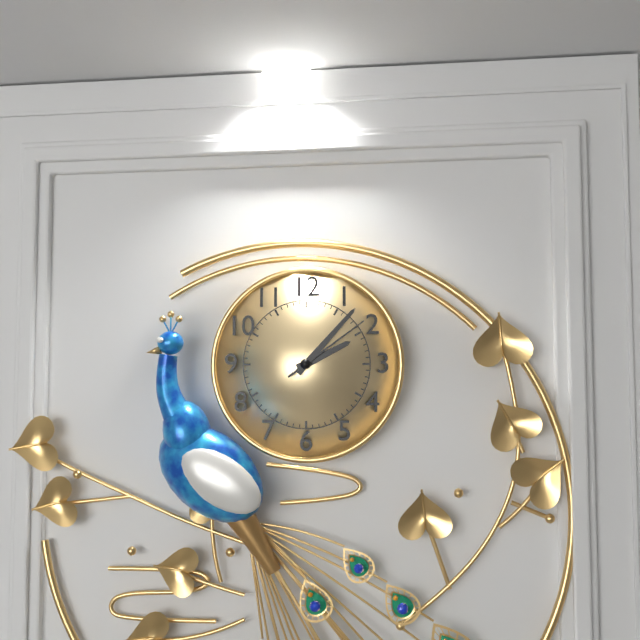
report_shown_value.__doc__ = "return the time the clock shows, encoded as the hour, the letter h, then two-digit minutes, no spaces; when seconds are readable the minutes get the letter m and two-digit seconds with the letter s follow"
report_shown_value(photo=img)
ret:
2h07m09s
